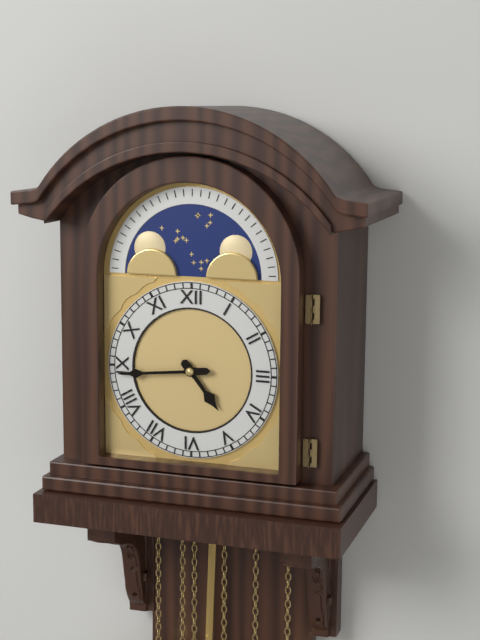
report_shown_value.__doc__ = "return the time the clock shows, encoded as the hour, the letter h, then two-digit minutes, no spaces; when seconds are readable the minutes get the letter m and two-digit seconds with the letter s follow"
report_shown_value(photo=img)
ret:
4h44
